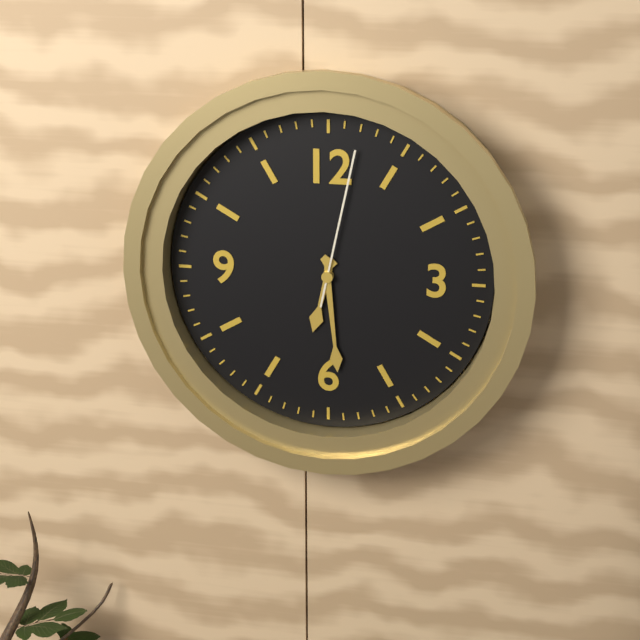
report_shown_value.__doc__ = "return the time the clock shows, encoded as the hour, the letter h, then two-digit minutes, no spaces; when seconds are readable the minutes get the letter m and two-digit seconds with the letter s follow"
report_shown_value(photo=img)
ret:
6h29m02s
